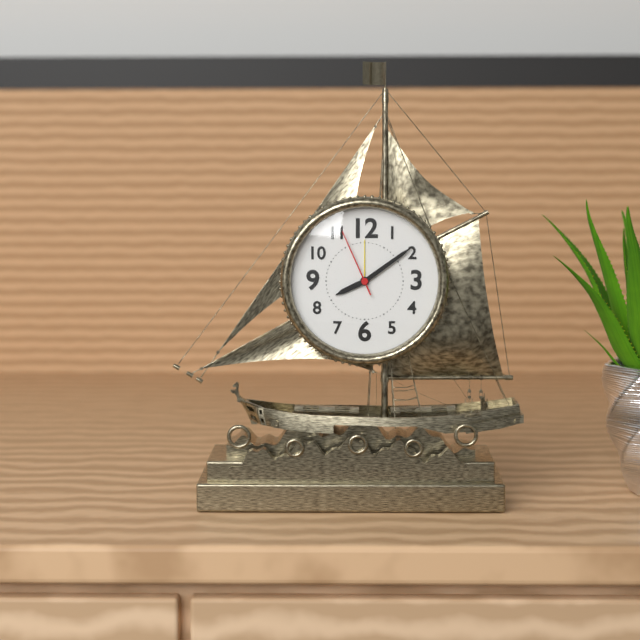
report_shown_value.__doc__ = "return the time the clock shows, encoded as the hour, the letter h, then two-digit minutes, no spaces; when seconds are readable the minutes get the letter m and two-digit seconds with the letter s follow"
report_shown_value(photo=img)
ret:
8h09m56s
